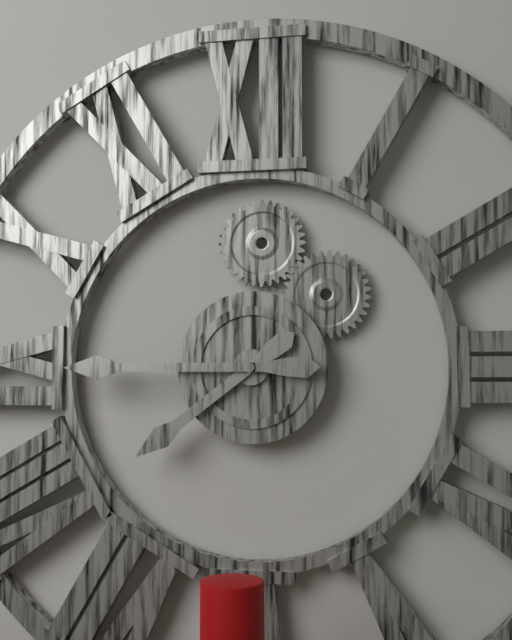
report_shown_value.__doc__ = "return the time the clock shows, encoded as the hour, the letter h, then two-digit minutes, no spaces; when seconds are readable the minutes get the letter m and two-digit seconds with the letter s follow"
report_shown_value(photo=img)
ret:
7h45
